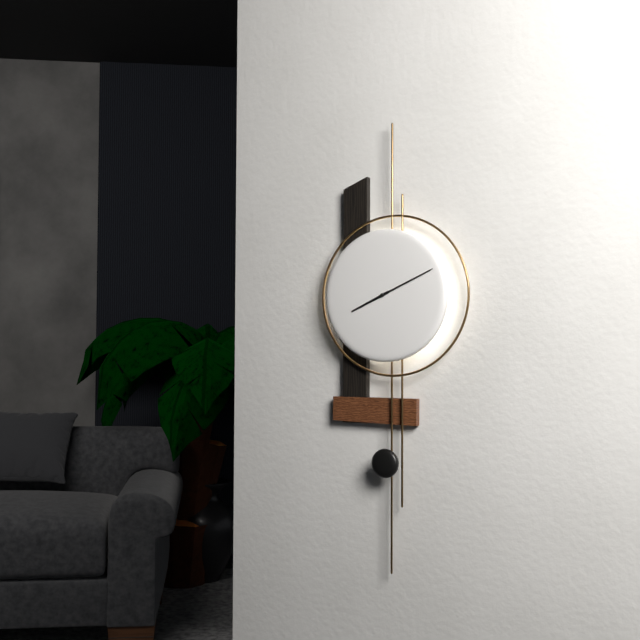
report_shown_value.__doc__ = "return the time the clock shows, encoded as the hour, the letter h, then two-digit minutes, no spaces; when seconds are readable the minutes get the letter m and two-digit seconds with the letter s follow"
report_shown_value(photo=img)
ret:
8h11m11s
